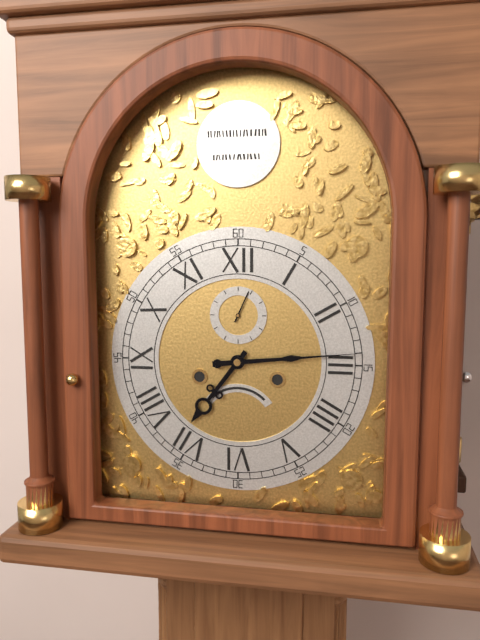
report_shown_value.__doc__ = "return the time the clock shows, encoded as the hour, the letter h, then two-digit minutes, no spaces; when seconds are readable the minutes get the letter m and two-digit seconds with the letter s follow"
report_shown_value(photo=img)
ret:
7h14
